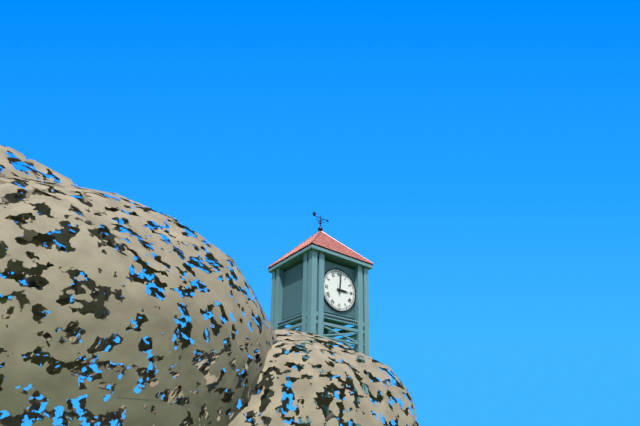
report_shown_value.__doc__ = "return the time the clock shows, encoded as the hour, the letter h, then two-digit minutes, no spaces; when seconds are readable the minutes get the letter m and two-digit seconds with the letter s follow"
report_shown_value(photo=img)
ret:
3h01
